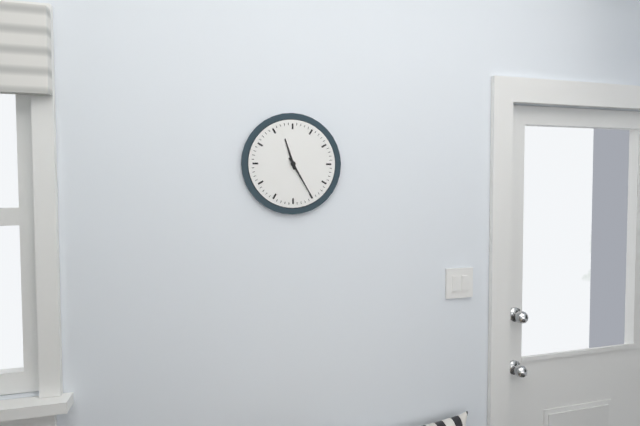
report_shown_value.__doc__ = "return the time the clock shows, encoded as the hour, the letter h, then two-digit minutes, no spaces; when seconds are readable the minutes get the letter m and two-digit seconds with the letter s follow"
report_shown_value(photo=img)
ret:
11h25
